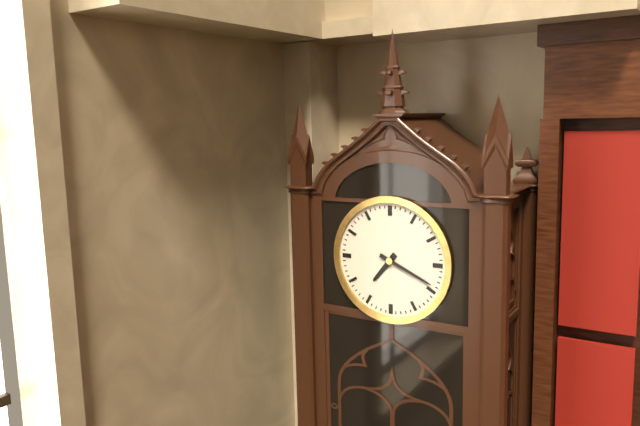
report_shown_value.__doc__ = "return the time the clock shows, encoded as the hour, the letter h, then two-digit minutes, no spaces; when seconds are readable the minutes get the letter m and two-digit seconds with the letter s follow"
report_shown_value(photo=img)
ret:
7h19
